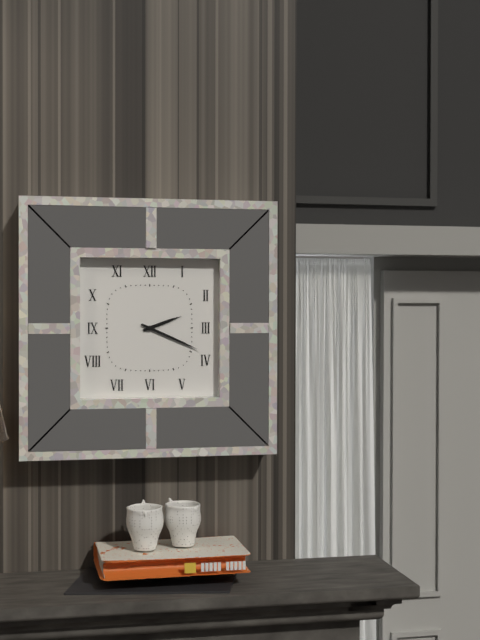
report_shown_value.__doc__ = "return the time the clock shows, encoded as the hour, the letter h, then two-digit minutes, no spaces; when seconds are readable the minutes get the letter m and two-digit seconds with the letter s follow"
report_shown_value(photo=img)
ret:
2h19
